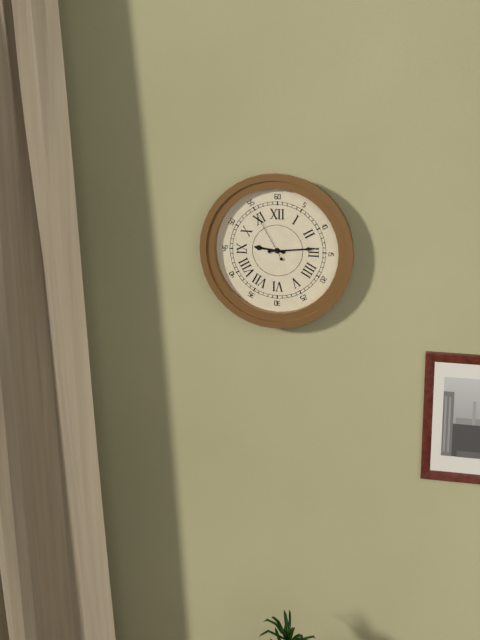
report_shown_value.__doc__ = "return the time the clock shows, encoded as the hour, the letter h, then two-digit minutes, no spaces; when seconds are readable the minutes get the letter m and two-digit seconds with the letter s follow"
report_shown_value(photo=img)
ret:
9h14m55s
